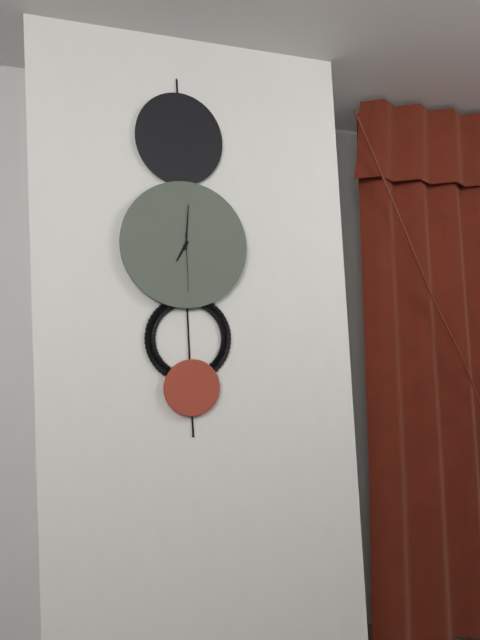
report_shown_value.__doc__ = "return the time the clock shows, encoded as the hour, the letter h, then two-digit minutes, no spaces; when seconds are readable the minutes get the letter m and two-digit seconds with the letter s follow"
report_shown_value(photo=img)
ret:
7h01m30s
